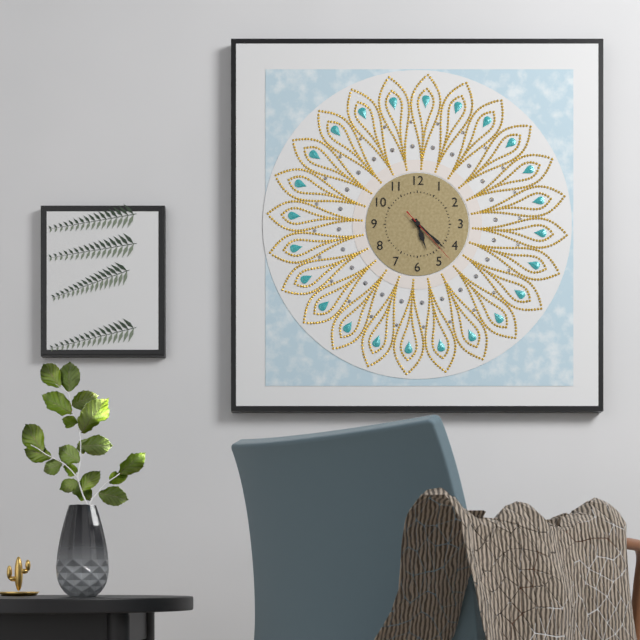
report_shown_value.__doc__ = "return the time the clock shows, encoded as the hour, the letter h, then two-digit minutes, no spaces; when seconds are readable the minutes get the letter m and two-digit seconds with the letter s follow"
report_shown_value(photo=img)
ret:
5h22m23s
